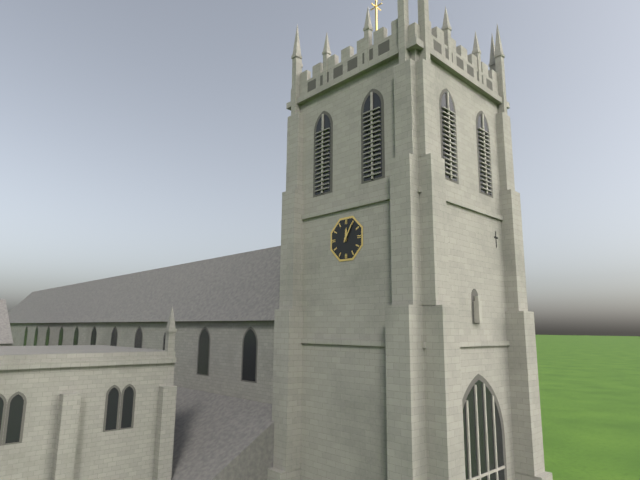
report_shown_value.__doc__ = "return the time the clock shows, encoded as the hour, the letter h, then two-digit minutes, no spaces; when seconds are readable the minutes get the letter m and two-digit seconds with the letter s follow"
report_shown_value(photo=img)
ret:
12h05
